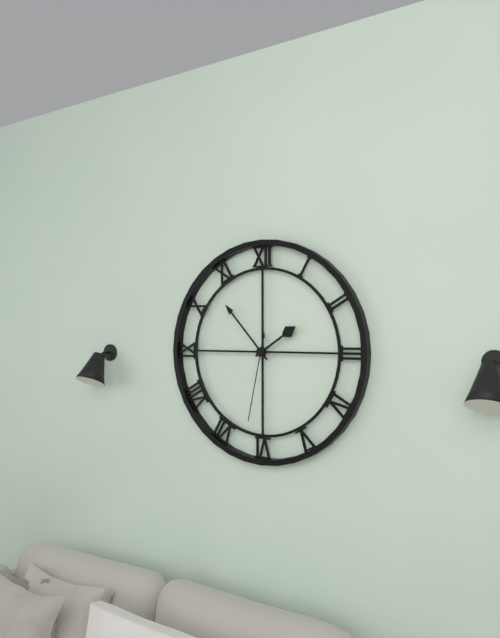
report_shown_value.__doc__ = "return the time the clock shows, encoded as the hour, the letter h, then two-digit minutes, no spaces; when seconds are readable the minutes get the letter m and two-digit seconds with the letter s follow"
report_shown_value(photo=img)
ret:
1h53m32s
